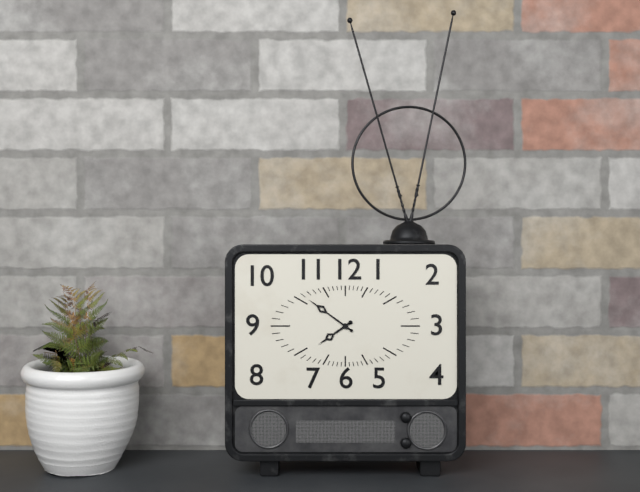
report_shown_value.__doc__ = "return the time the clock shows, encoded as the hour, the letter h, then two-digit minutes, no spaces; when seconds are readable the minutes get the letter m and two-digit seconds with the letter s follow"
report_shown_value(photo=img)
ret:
7h51
